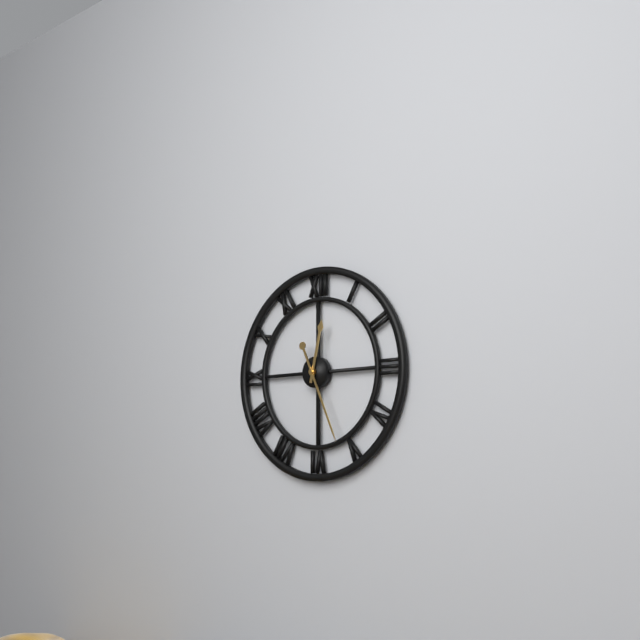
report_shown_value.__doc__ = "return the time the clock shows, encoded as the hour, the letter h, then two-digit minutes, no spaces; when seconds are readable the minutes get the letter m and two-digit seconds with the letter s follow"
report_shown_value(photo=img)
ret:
12h26
